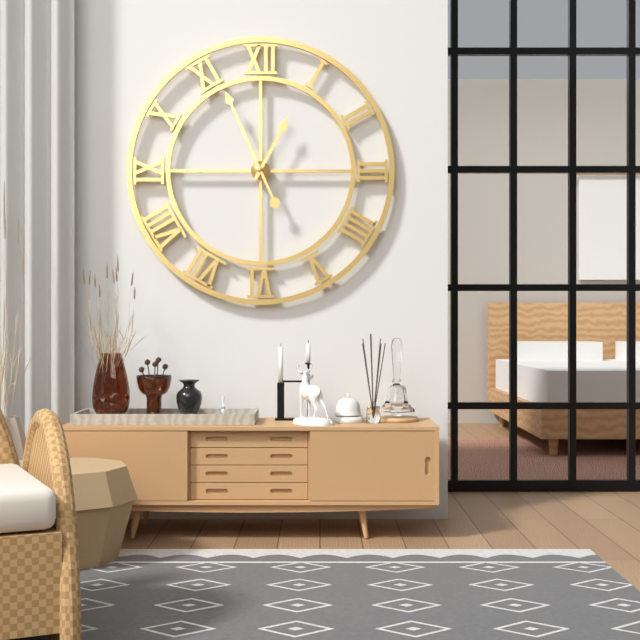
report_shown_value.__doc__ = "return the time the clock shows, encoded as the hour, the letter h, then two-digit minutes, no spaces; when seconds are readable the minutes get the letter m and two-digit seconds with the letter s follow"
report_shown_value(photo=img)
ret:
12h56
